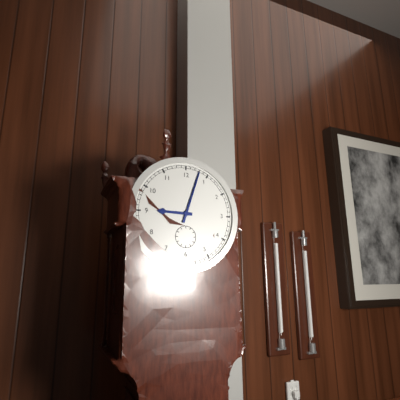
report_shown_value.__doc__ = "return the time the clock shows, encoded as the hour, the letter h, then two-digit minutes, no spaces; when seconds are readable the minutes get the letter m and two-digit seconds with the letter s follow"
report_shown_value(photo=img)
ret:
9h03
